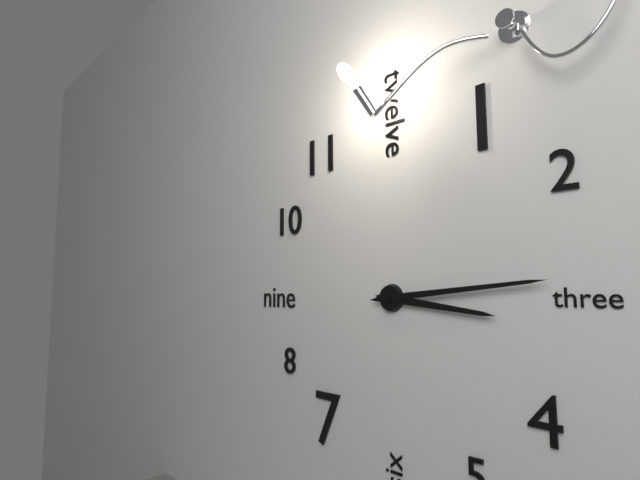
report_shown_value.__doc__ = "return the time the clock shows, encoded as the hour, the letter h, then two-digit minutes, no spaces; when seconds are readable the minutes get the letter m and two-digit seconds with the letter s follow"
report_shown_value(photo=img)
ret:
3h14
